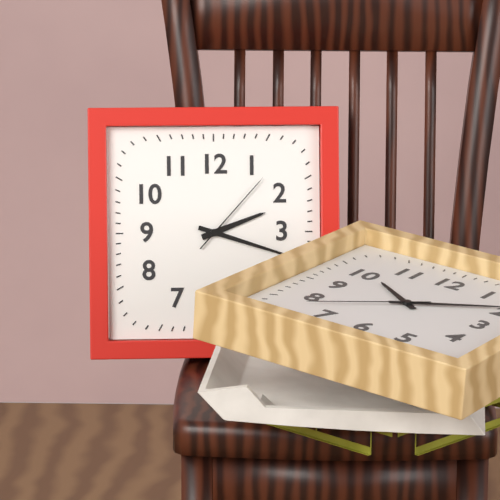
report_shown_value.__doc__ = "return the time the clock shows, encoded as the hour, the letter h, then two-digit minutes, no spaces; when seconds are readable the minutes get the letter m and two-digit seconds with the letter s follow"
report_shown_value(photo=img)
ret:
2h18m07s
